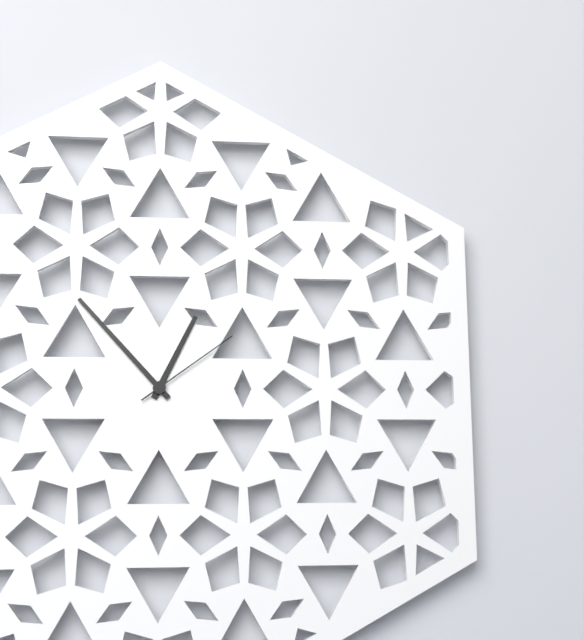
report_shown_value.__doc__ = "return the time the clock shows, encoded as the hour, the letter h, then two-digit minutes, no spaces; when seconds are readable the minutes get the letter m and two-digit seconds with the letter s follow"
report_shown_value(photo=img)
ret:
12h53m09s
